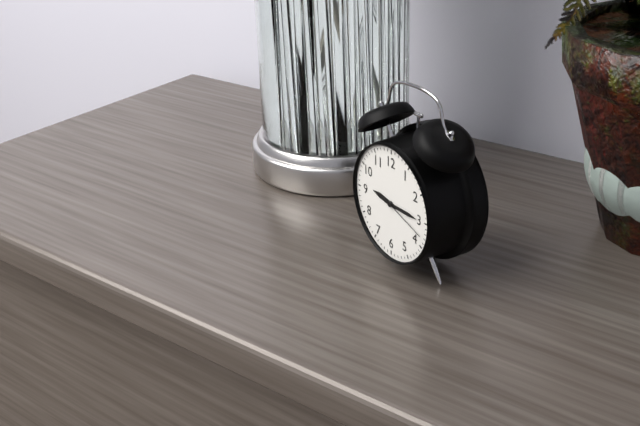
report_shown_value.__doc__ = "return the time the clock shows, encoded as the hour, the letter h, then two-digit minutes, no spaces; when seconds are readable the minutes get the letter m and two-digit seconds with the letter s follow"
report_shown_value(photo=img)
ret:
9h15m18s
